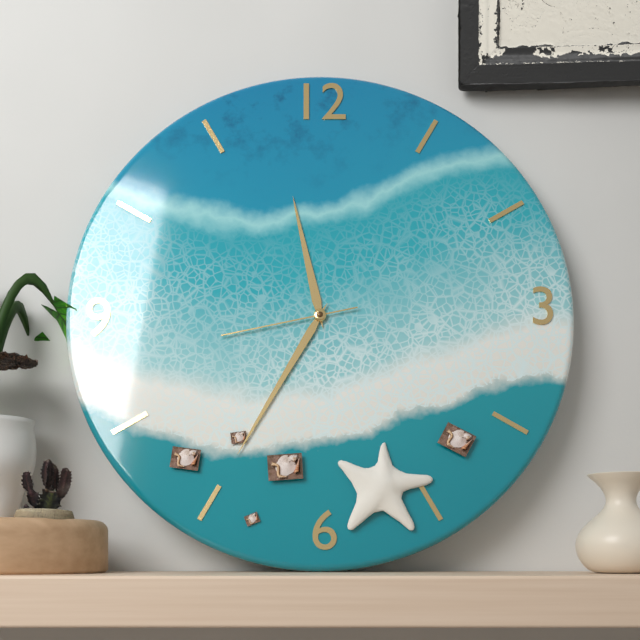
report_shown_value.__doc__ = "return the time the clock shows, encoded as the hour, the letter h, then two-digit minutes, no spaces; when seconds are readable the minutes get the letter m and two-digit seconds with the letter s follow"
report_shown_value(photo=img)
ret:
11h35m43s
